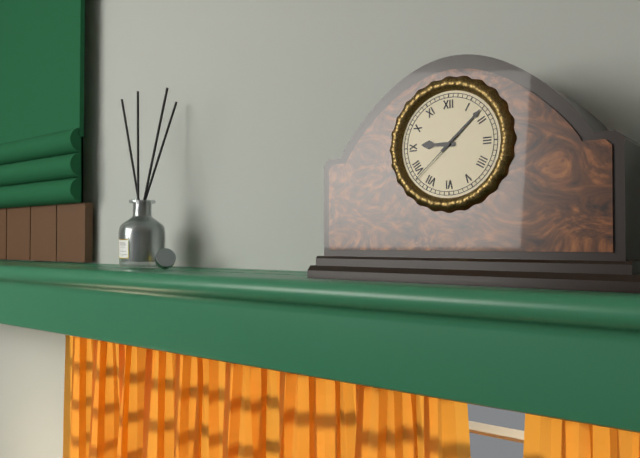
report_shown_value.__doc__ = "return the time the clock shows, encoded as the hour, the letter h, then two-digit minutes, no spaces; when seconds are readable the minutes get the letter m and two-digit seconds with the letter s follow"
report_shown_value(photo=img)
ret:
9h08m38s
